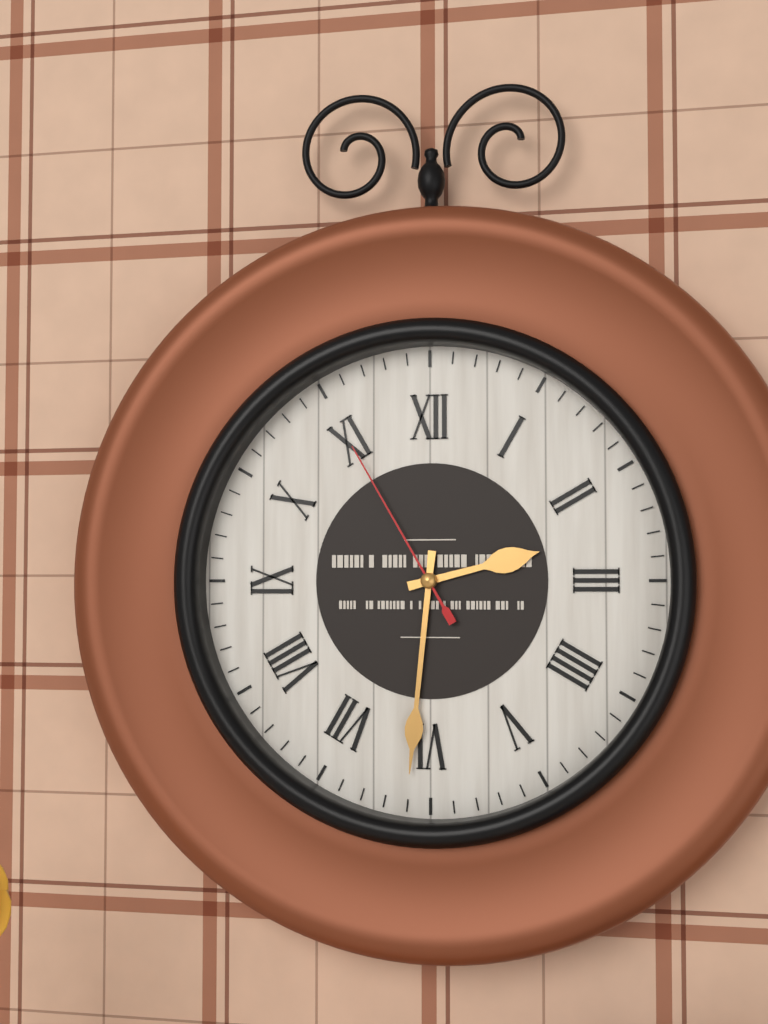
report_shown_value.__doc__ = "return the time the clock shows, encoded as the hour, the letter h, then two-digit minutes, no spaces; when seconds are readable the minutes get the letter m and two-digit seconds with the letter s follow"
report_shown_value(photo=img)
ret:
2h31m55s
